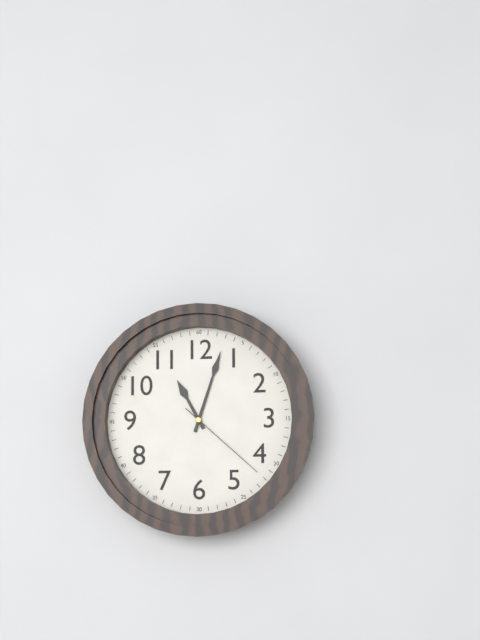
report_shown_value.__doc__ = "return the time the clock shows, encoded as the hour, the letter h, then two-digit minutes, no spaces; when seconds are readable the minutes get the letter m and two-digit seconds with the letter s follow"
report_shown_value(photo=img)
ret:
11h03m22s
